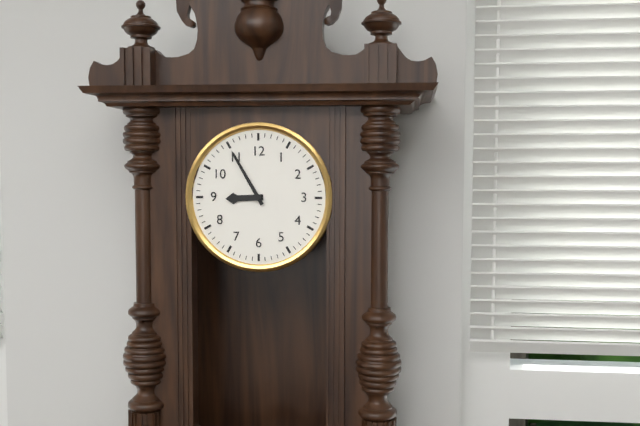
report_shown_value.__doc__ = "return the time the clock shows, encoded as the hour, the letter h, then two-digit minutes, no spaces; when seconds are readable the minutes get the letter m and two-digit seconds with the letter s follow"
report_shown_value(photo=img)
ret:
8h55
